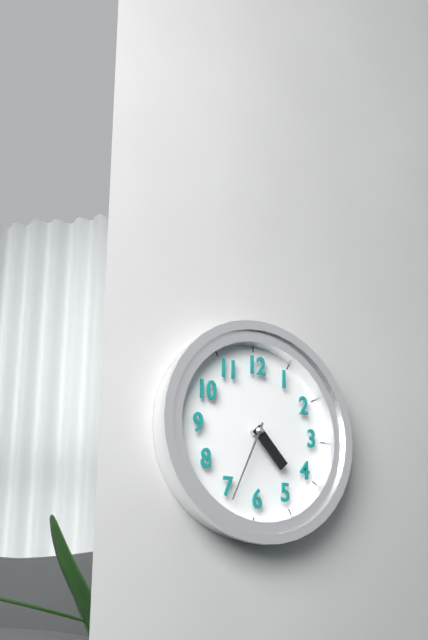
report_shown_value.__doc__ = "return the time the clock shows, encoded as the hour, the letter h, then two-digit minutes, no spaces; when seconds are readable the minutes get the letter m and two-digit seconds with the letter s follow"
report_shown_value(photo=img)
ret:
4h34
